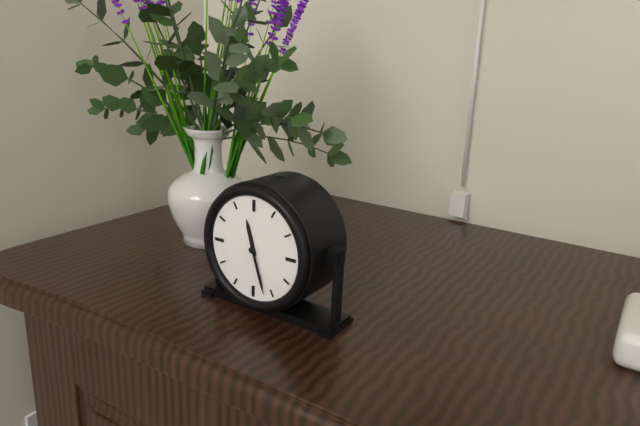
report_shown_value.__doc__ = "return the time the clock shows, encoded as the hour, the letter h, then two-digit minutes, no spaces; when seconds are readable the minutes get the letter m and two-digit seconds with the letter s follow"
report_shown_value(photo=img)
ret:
11h27
